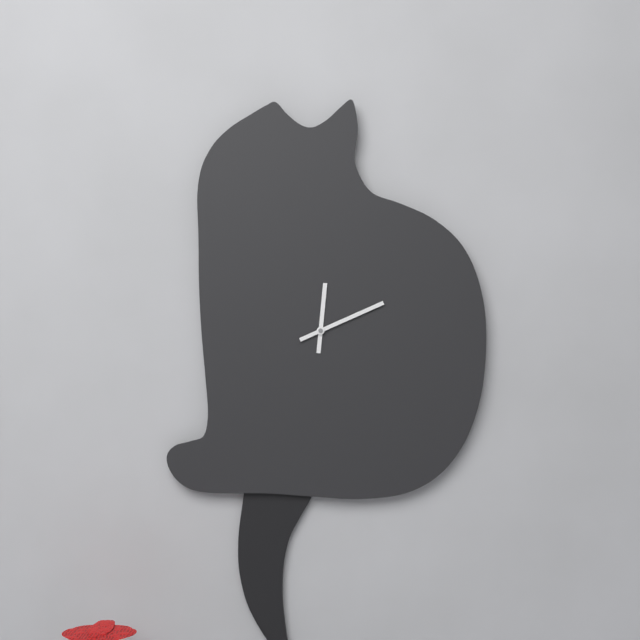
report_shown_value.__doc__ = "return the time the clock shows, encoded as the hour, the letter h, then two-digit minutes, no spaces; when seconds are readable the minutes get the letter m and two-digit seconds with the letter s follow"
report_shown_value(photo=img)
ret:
12h11
